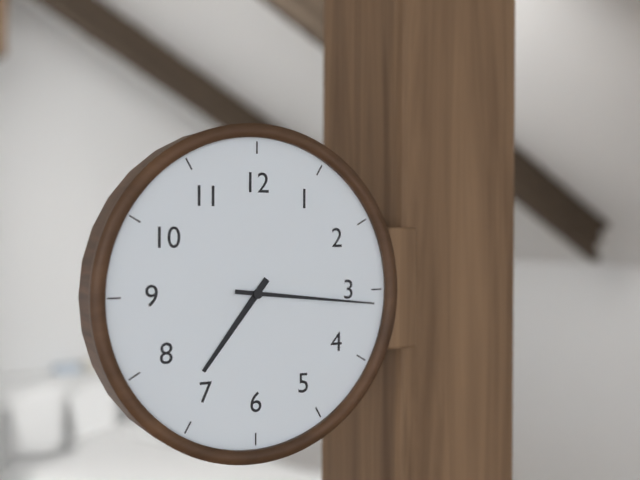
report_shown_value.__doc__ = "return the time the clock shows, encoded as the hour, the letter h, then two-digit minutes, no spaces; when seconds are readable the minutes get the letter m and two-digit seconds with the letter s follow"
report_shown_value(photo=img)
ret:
7h16
